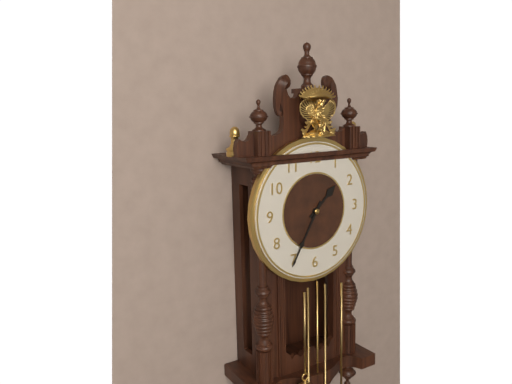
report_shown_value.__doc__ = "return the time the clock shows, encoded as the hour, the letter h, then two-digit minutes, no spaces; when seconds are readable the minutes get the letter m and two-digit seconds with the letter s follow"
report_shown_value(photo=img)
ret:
1h35
